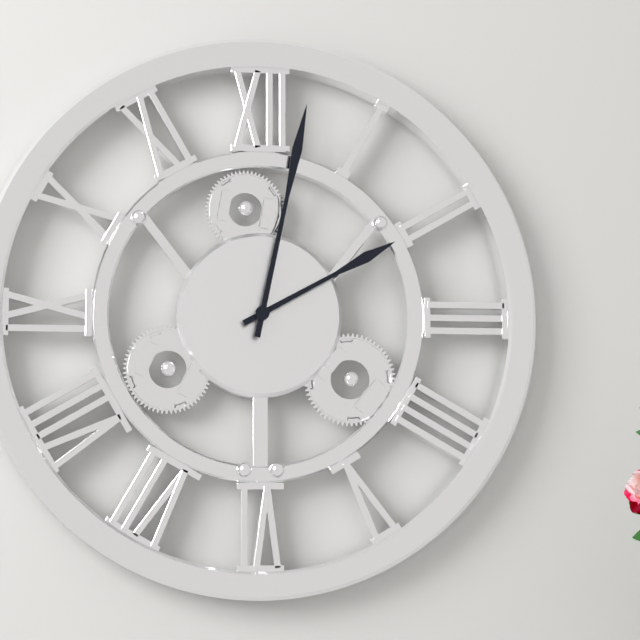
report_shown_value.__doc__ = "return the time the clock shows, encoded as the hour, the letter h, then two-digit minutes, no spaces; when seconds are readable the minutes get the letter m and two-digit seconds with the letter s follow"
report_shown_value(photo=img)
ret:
2h02
